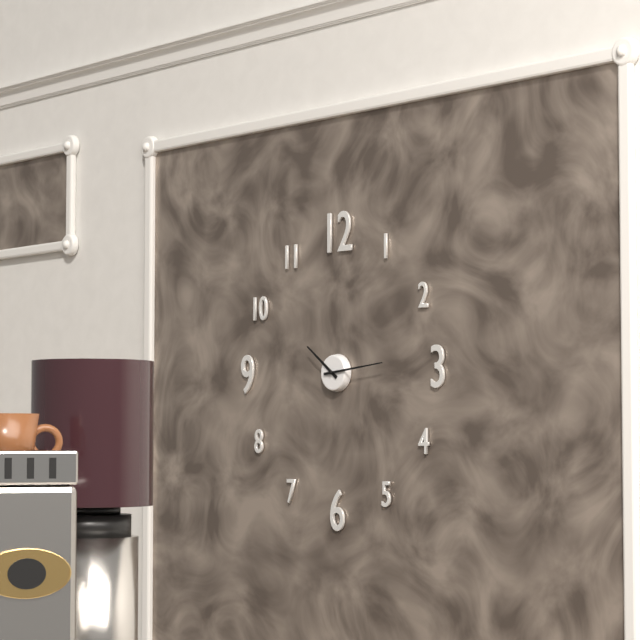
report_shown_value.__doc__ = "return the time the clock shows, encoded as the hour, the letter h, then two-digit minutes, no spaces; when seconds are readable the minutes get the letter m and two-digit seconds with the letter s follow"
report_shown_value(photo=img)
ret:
10h14
